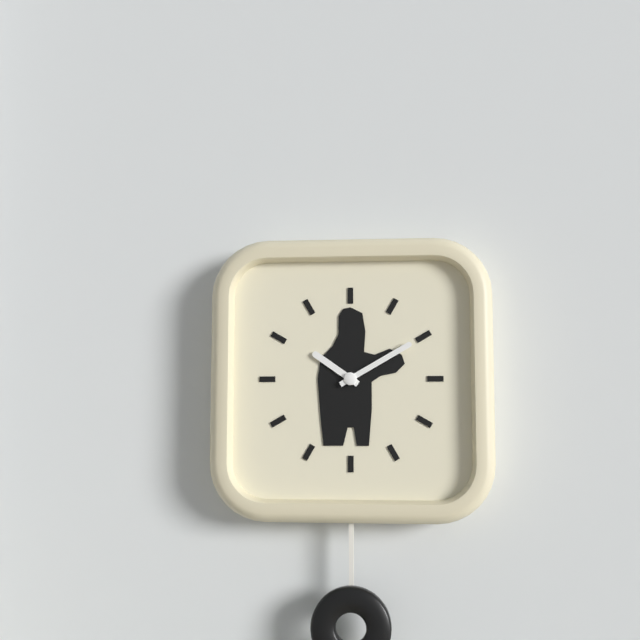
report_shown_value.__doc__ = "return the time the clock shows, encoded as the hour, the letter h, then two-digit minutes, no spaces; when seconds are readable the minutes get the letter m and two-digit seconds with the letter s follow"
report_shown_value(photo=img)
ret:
10h10
